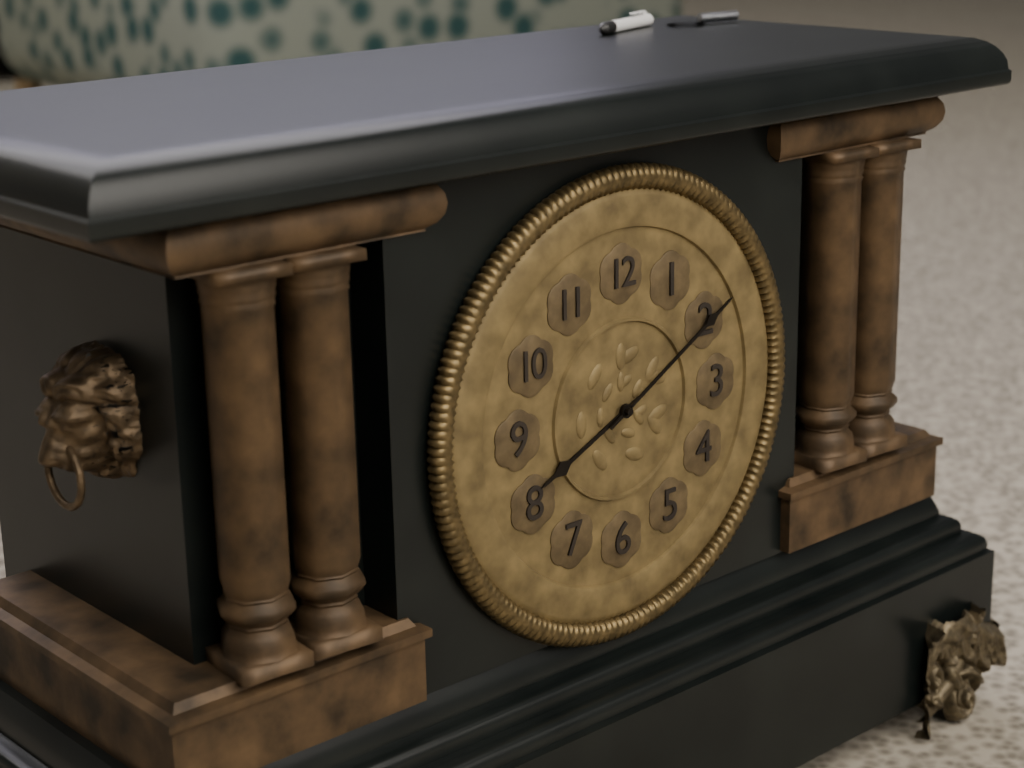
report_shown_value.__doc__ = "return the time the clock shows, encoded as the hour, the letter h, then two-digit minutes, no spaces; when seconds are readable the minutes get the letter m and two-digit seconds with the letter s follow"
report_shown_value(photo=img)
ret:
8h10
